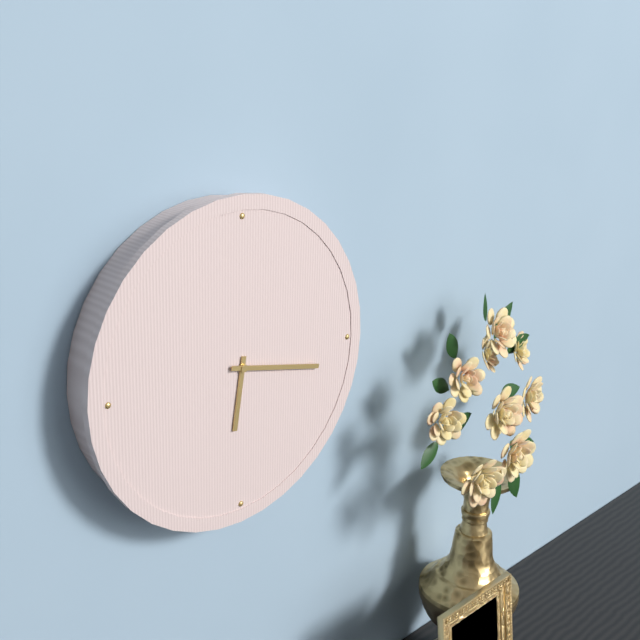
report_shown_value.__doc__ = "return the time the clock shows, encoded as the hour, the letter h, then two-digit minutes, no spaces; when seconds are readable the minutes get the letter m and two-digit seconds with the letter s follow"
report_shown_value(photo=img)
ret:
6h17
